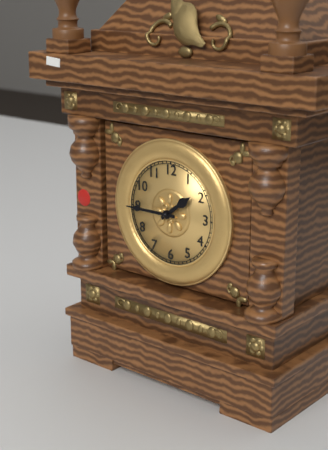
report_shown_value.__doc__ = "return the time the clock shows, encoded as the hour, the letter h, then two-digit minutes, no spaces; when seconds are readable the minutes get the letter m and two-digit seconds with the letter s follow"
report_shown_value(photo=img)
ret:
1h45
